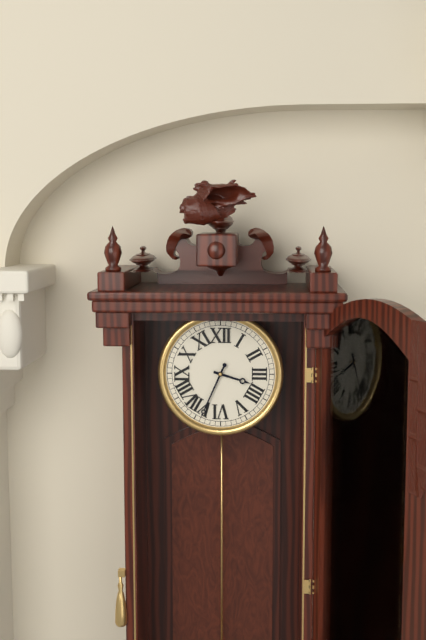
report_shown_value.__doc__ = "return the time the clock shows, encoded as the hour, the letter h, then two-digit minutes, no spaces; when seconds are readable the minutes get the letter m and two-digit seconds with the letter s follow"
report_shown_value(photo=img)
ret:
3h34
